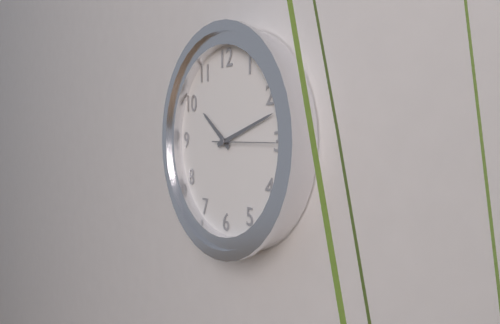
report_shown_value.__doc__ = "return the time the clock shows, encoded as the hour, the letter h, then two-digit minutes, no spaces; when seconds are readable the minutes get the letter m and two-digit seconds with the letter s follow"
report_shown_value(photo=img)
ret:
10h12m15s
